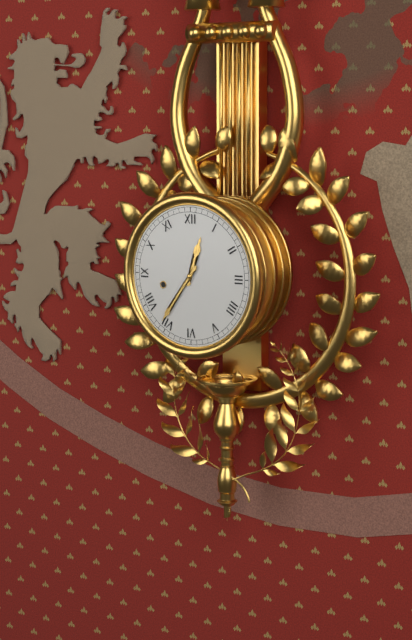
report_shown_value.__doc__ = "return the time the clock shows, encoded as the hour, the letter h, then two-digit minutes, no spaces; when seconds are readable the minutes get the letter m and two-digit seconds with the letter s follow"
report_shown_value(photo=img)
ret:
12h36
